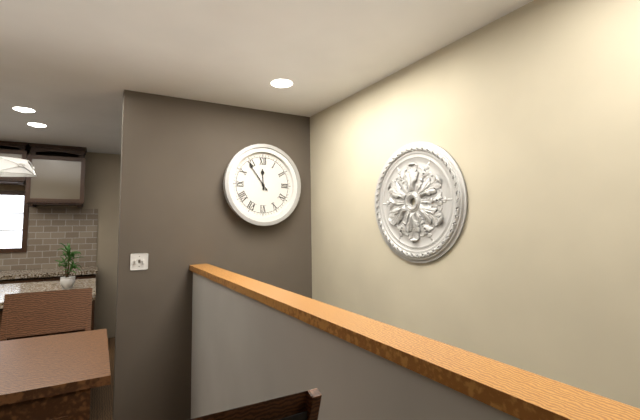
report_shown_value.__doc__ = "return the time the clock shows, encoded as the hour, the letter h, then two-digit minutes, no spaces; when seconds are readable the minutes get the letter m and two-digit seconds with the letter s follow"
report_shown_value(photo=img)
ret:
11h54
